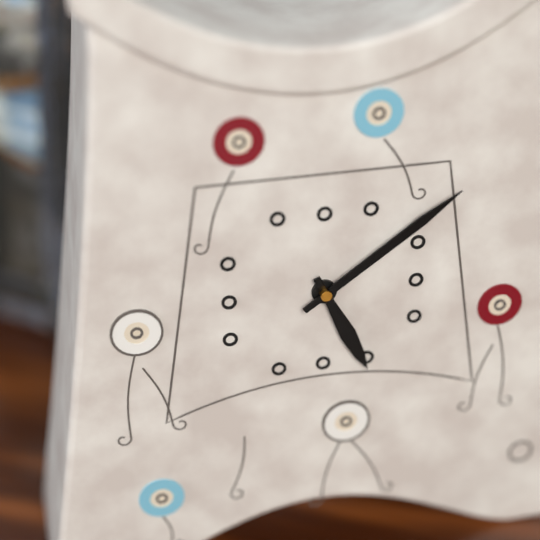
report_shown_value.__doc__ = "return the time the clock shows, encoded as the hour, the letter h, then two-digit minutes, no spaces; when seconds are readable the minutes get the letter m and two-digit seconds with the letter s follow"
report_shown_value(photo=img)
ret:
5h09
